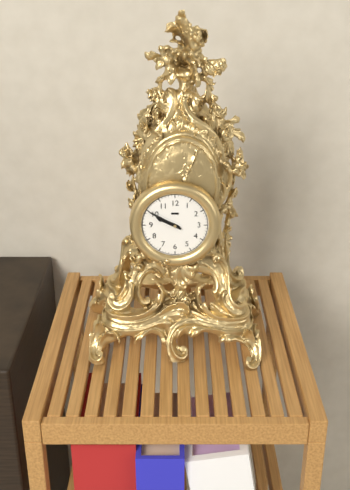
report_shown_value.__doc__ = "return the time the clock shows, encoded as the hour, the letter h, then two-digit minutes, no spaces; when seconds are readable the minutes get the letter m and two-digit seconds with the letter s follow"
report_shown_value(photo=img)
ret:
9h50
